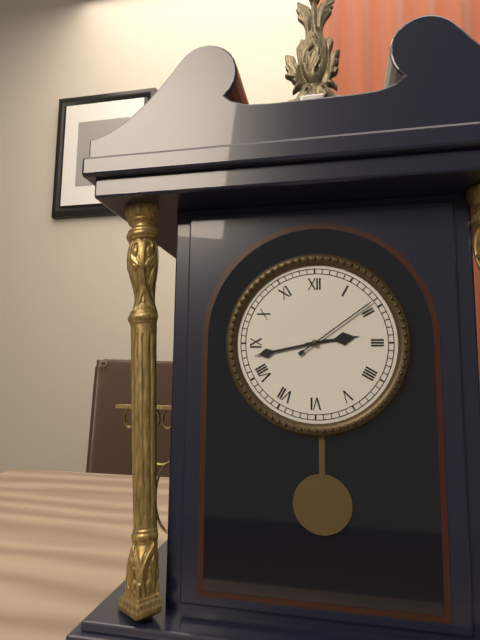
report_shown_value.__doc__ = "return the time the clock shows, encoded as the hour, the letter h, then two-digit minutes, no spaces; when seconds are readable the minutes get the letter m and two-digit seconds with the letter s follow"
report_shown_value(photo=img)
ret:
2h43m09s
